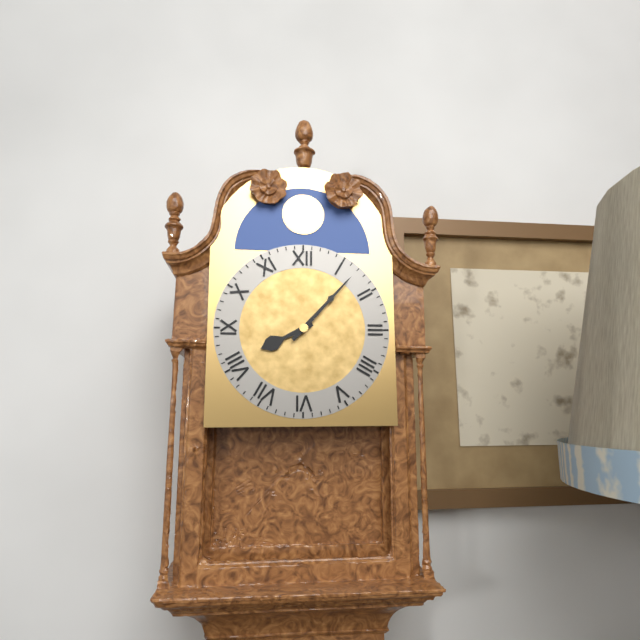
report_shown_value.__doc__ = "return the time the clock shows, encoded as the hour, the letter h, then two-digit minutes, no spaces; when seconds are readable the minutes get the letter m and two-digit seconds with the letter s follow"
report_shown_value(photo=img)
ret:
8h07
